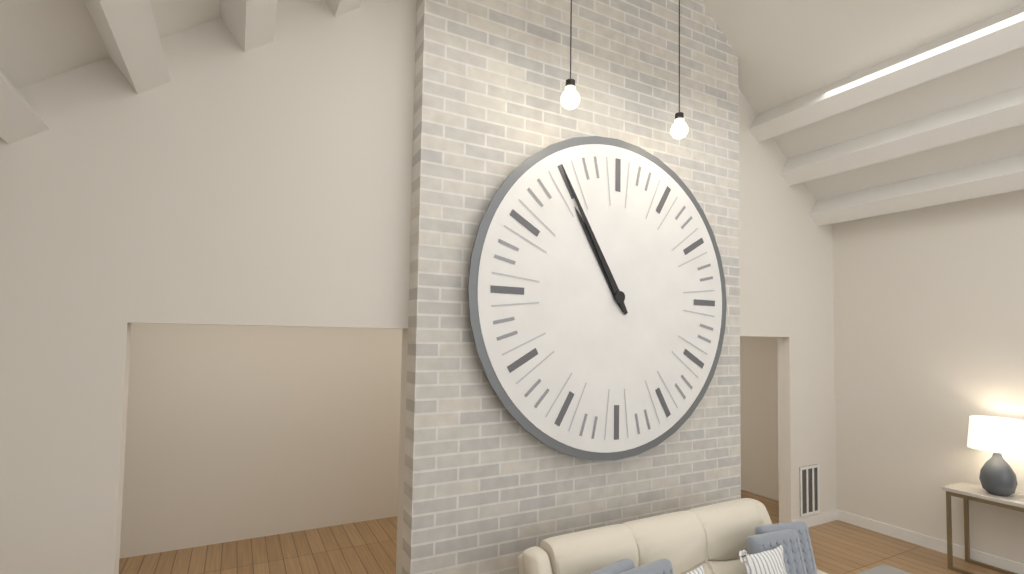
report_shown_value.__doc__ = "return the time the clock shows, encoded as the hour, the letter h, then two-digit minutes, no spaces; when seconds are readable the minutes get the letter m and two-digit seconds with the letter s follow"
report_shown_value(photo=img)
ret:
10h55
